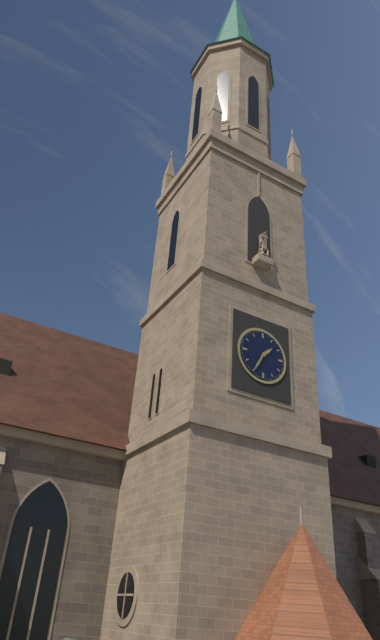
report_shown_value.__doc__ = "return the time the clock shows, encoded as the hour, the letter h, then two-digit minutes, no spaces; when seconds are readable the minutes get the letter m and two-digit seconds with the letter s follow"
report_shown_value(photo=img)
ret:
1h35
